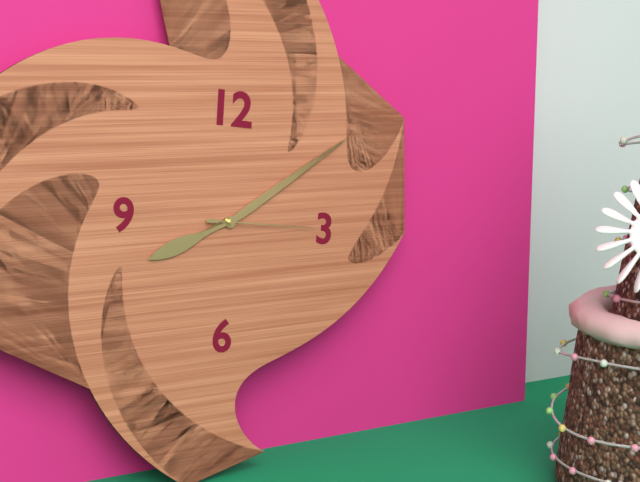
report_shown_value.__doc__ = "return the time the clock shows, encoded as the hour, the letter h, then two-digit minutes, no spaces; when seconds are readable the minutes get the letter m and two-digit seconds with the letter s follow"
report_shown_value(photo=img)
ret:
8h09m15s
